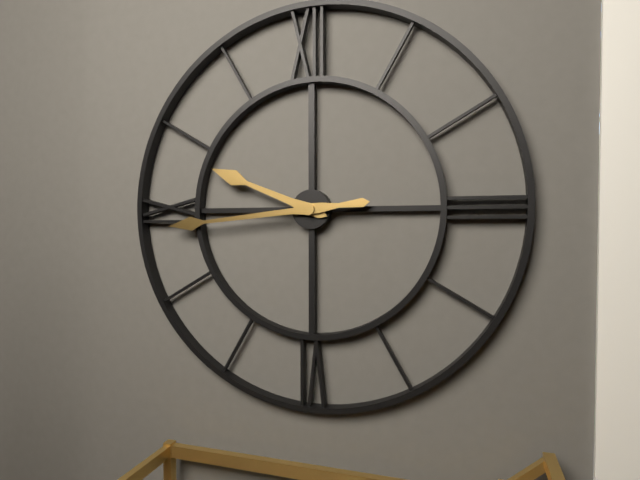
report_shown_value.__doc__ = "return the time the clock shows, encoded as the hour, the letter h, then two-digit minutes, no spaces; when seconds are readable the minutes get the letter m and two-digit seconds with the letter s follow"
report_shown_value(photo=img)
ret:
9h44
